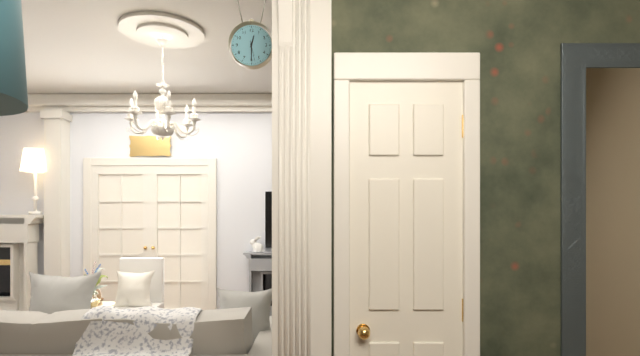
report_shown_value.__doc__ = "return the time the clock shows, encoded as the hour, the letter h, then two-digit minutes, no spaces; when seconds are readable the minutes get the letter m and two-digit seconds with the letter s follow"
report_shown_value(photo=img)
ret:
12h30
